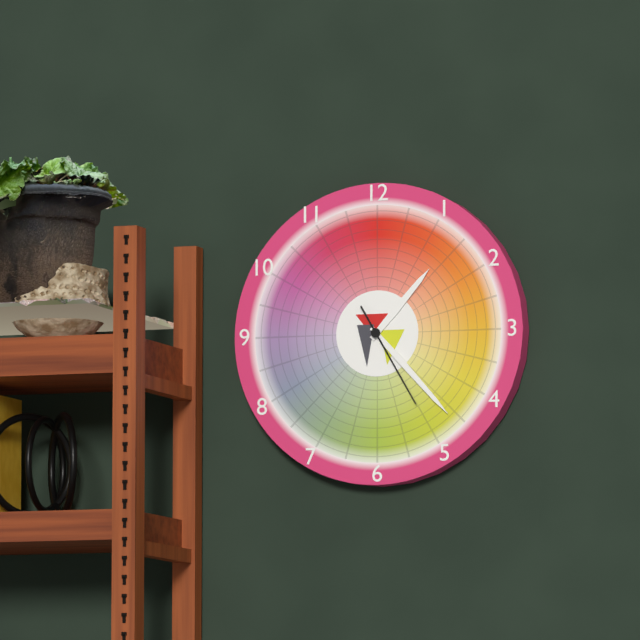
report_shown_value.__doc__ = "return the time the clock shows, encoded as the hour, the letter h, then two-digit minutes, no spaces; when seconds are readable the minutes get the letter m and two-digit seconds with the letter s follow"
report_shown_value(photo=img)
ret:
1h23m25s
